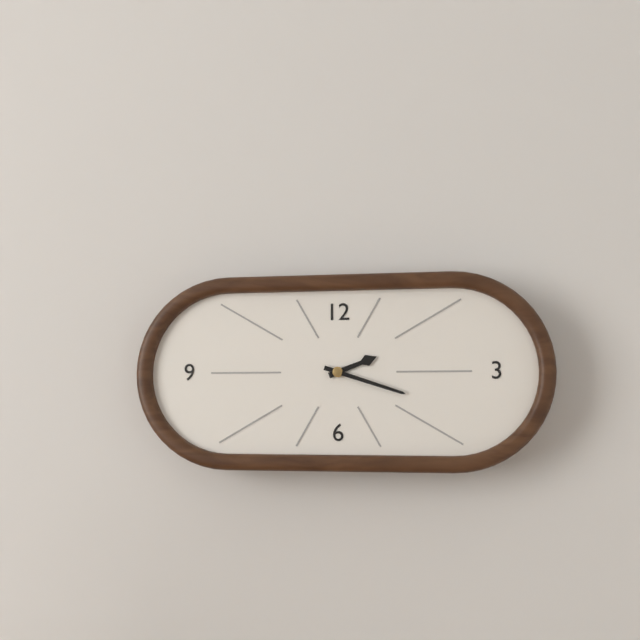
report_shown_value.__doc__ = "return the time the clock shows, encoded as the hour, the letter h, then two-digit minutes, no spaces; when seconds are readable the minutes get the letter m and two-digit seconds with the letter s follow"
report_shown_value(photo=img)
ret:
2h18
